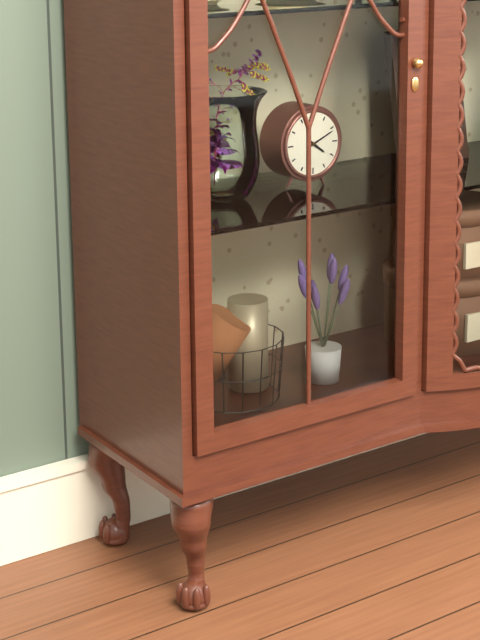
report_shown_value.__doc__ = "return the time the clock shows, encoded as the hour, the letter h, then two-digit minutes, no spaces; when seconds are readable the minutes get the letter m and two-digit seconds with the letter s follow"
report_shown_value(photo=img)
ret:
4h11
